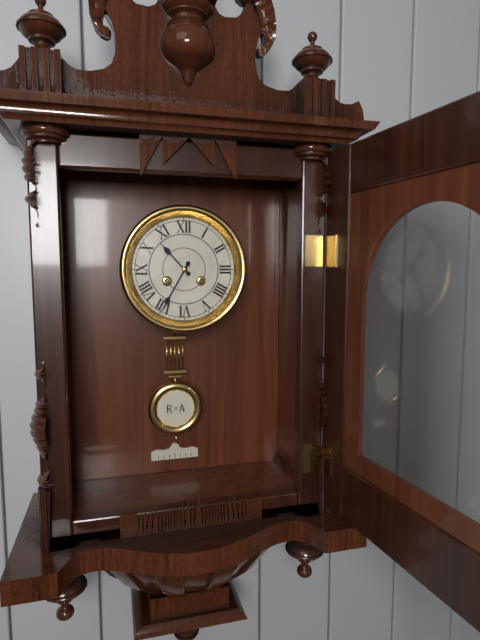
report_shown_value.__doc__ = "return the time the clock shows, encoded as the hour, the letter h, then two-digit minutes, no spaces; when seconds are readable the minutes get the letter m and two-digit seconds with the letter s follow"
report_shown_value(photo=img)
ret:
10h35
